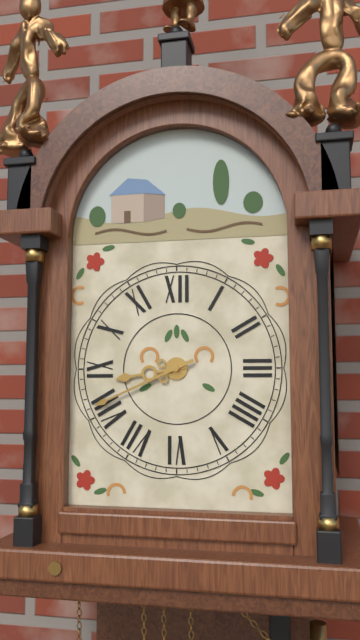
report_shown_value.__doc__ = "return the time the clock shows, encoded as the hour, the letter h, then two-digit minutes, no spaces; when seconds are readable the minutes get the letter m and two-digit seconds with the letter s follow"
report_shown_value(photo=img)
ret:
8h41
